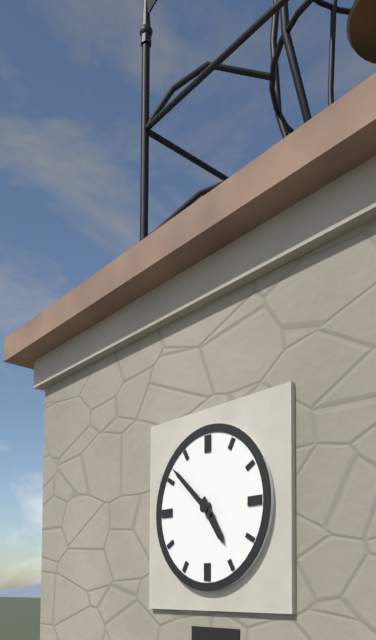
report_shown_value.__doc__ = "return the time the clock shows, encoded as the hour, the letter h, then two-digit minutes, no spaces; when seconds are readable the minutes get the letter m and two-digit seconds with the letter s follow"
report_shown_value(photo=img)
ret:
4h52
